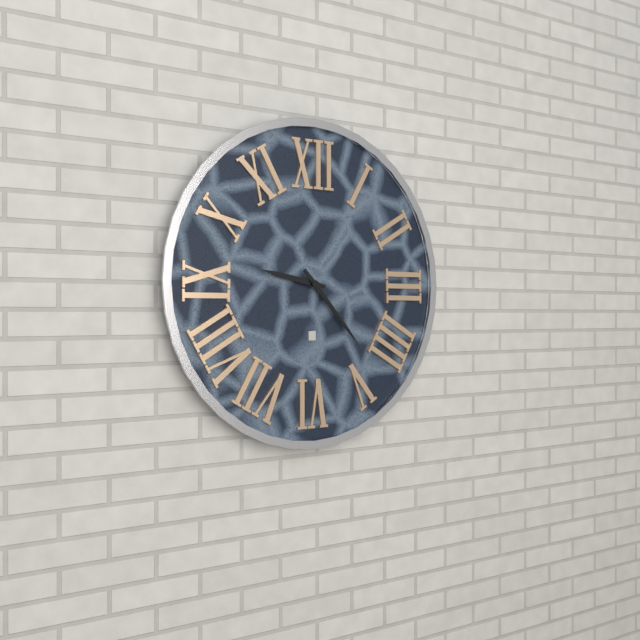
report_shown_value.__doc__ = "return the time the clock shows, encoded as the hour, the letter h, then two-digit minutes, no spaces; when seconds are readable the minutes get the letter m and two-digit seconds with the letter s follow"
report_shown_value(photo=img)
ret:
9h23
